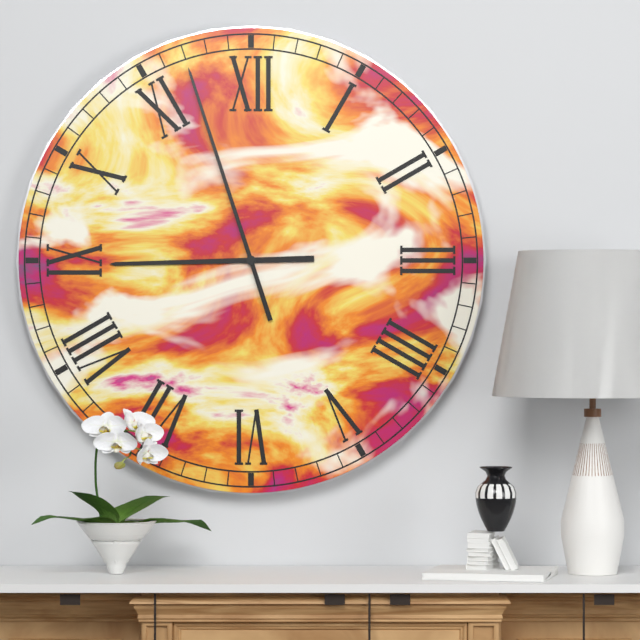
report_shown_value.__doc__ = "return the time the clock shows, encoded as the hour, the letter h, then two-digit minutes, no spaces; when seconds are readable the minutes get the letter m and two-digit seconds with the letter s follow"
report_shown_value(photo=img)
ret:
8h57
